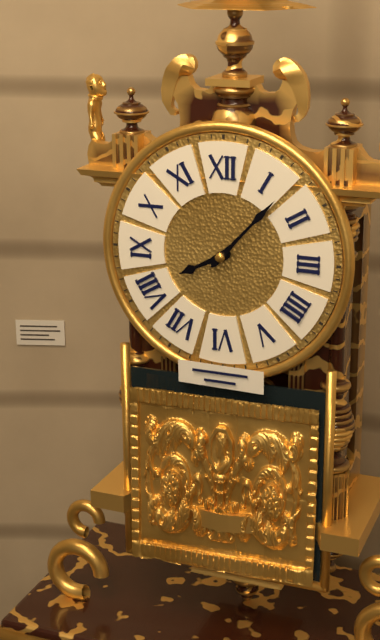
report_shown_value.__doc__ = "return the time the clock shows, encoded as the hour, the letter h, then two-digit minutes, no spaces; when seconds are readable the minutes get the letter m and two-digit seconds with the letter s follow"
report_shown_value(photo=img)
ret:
8h07
